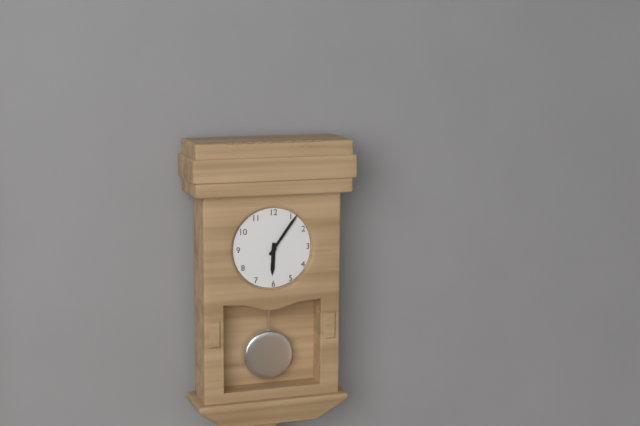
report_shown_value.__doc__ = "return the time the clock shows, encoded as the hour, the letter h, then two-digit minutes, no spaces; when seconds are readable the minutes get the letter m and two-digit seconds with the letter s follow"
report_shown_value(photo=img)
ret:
6h06
